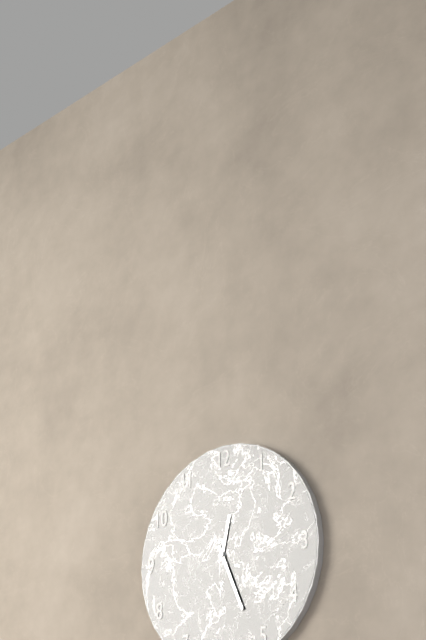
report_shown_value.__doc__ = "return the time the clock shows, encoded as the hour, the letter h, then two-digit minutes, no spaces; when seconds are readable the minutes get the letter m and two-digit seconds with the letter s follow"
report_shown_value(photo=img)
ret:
12h26
